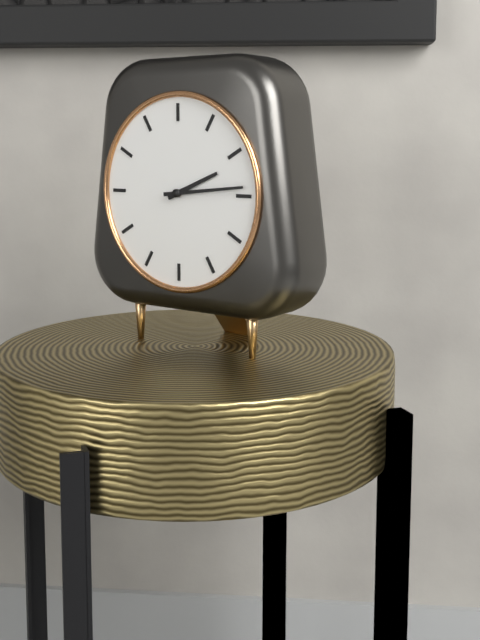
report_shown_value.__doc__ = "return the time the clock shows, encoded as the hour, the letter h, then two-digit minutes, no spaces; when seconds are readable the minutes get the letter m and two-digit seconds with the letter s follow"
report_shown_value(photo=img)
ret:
2h14
